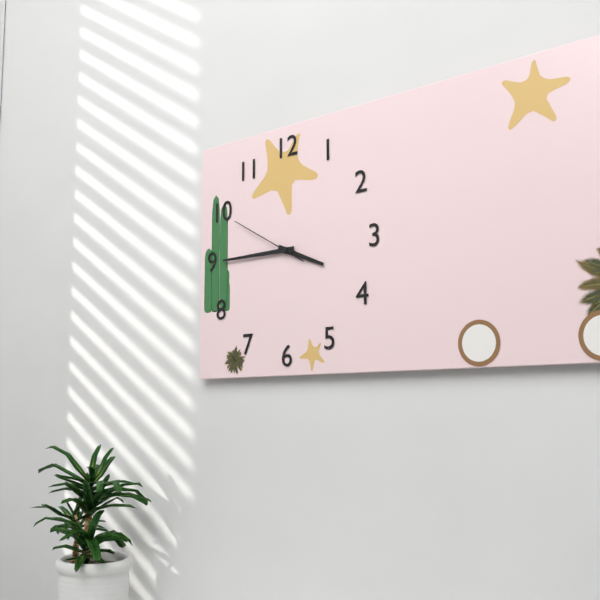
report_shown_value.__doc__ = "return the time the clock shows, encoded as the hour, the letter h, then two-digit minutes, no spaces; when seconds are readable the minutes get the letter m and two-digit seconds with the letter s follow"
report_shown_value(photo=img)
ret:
3h45m50s
